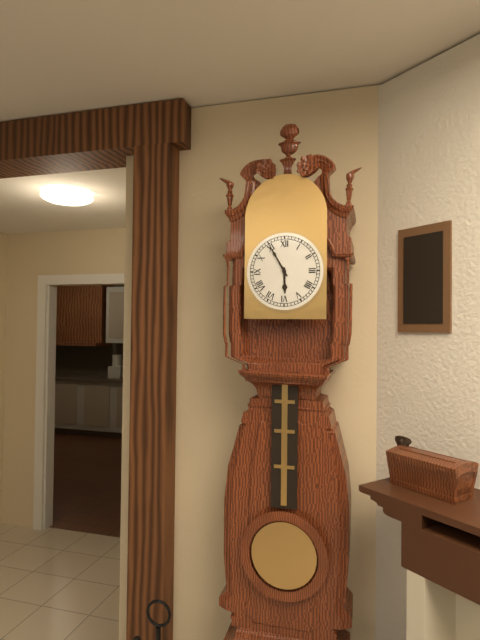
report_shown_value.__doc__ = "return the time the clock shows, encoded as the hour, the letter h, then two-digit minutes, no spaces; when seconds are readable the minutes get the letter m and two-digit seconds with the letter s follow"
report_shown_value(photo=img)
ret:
5h55
